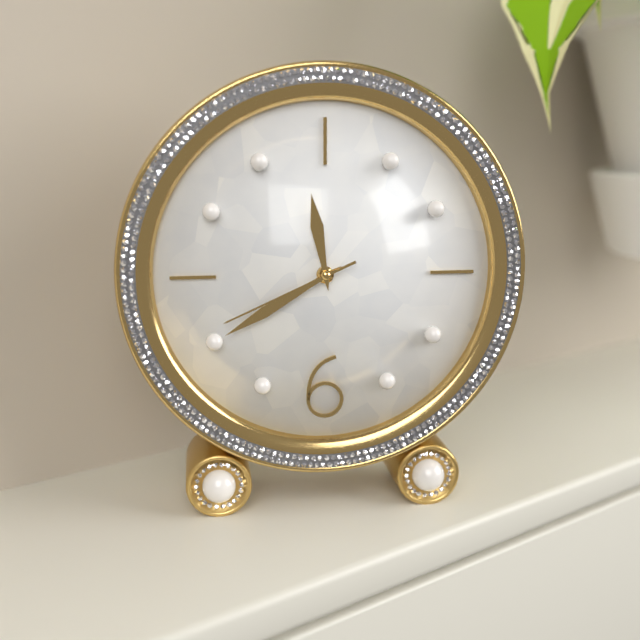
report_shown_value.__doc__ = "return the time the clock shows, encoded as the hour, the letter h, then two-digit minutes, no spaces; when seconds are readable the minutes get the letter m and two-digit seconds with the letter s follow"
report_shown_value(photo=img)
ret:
11h40m41s
